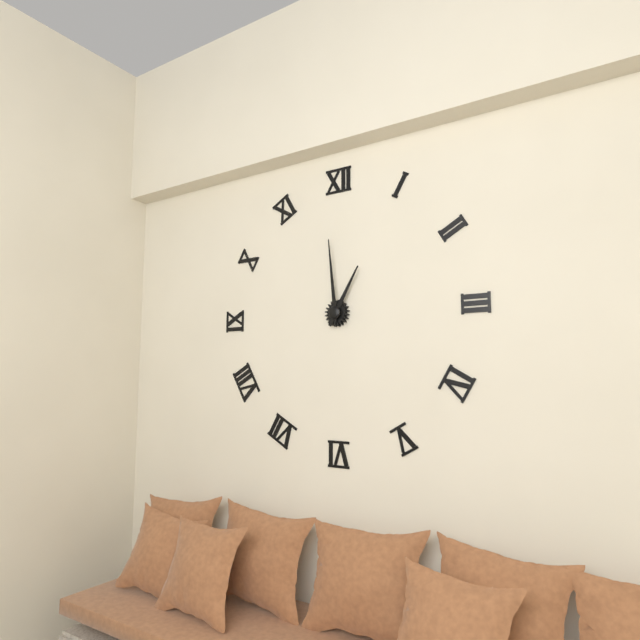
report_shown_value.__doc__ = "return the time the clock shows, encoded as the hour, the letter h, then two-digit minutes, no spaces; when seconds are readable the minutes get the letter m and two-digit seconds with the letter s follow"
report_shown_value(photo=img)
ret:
12h59
